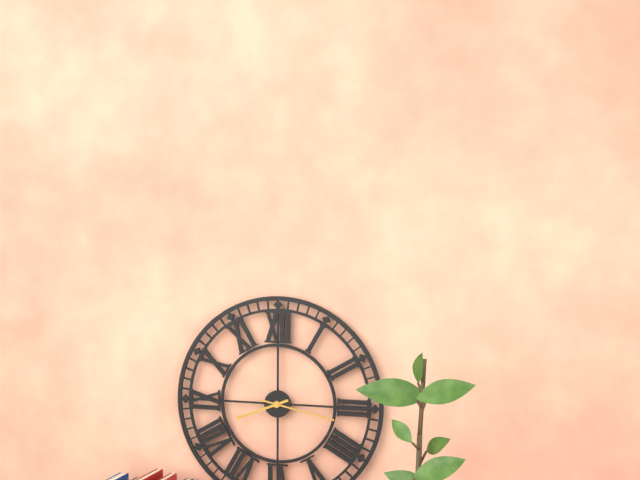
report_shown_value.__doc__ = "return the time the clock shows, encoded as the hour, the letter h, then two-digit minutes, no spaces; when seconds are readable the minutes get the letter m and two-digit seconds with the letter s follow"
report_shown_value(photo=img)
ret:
8h17
